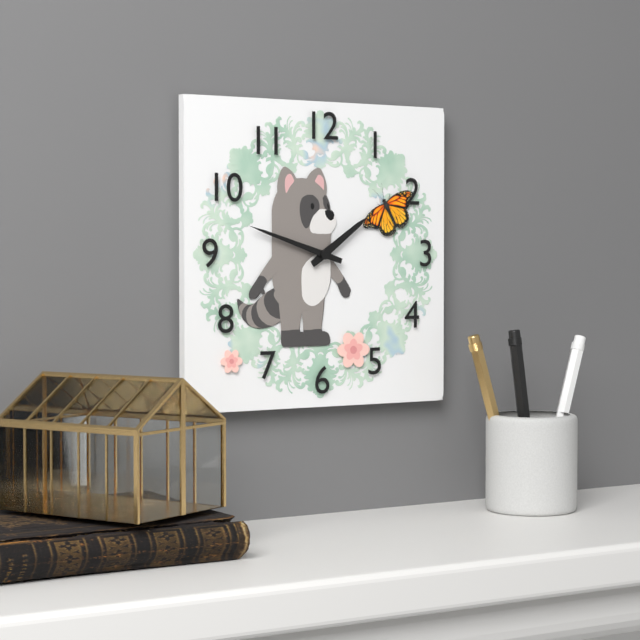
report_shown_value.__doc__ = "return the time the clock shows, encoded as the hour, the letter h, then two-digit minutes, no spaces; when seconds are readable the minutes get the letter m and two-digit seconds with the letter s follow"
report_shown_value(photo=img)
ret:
1h48
